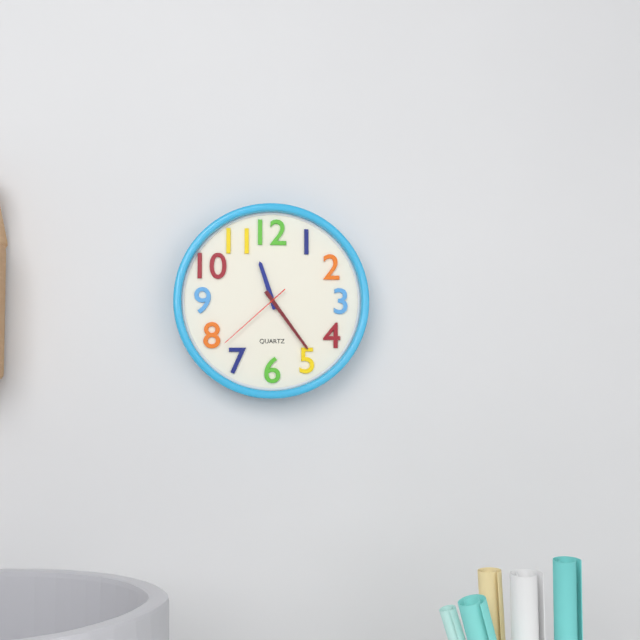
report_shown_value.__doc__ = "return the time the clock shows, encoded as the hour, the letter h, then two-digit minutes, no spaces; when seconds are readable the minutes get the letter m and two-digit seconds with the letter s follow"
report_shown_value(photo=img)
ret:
11h24m38s
